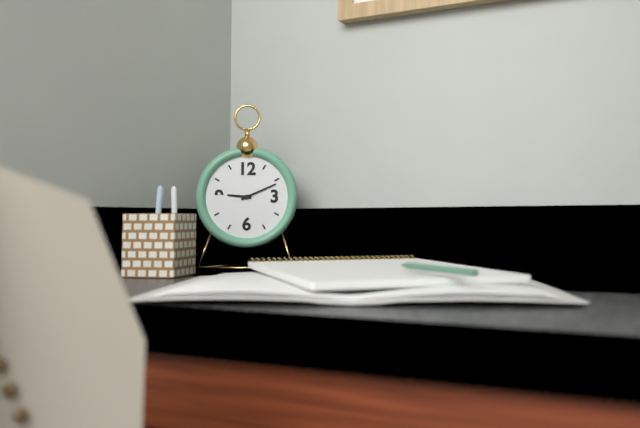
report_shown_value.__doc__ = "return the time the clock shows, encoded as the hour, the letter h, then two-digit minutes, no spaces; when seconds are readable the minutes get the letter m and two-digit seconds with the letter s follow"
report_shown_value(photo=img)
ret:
9h11
